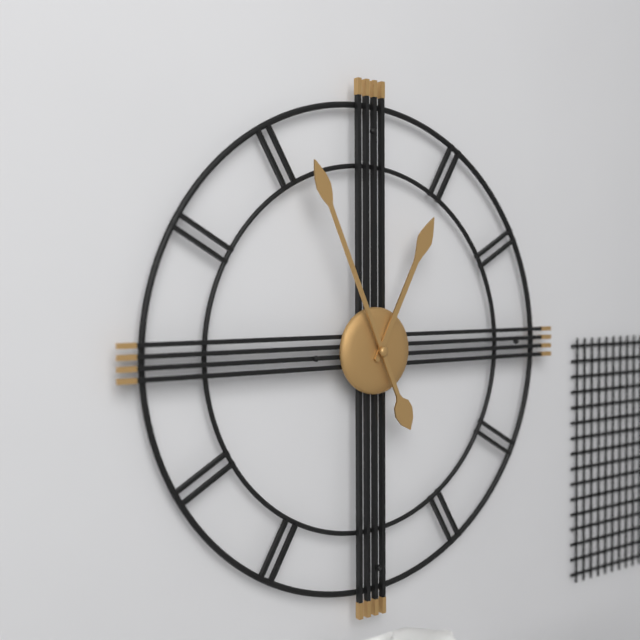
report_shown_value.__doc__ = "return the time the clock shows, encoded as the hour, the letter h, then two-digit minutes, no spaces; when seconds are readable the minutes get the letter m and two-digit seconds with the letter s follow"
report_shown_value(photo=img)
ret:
12h56
